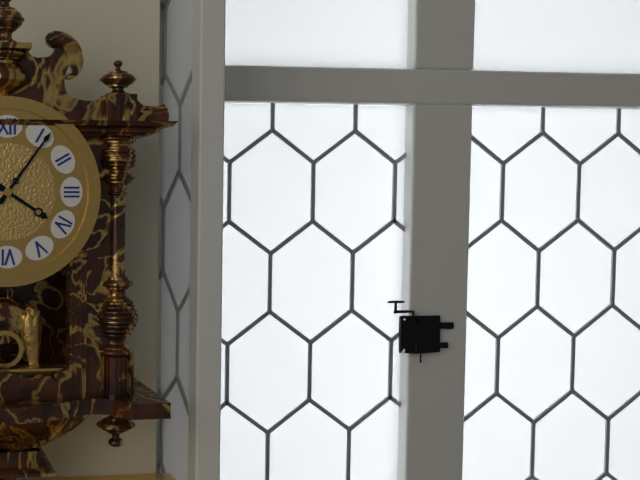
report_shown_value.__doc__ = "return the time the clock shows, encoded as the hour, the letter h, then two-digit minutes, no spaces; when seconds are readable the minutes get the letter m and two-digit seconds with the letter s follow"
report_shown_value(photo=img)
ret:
4h06
